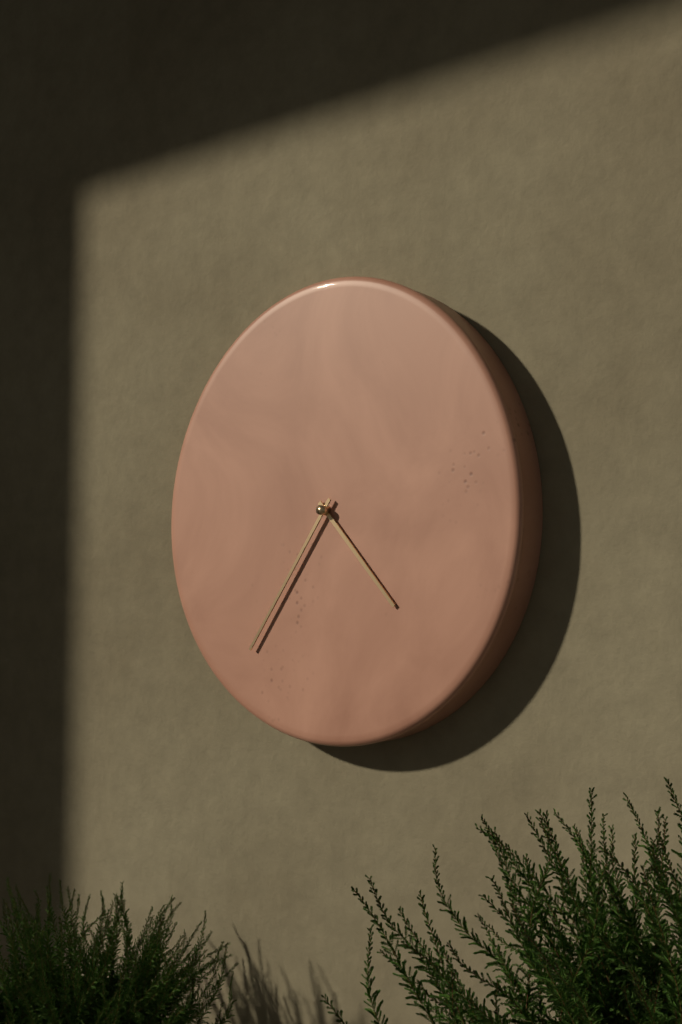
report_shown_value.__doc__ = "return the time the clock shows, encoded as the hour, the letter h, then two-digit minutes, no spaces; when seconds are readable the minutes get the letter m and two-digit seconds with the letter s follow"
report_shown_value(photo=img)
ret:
4h36
